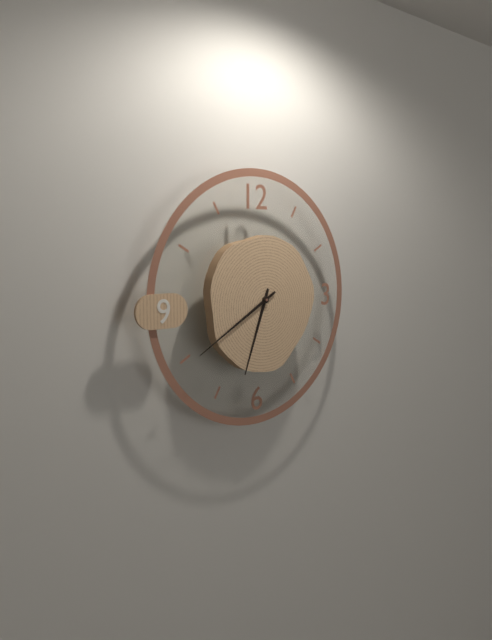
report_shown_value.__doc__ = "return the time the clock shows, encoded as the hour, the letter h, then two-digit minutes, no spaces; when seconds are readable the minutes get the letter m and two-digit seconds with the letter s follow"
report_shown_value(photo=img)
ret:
6h40
